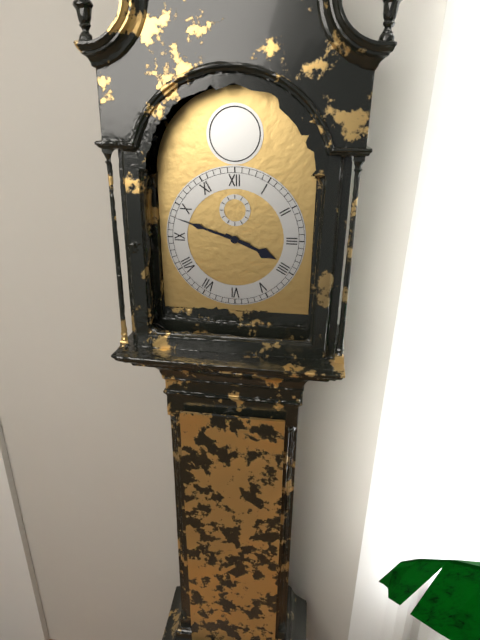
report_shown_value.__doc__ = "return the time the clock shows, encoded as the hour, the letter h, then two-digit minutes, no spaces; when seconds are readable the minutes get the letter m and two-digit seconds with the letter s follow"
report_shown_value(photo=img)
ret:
3h48
